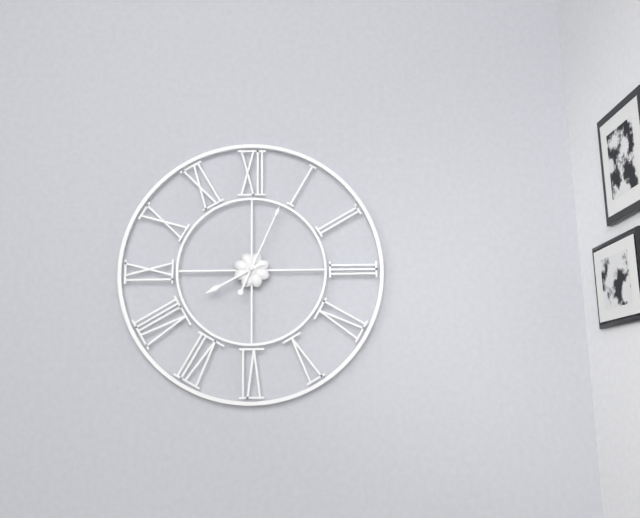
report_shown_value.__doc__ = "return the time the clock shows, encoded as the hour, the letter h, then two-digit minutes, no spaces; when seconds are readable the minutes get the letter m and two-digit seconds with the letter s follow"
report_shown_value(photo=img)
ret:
8h04
